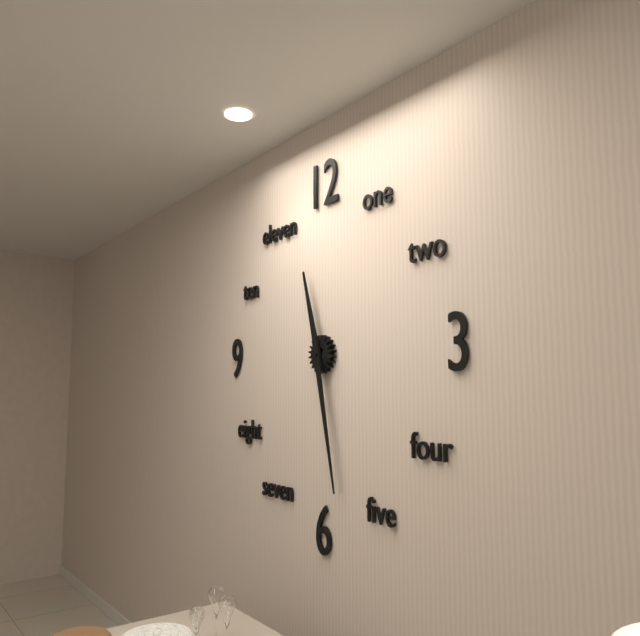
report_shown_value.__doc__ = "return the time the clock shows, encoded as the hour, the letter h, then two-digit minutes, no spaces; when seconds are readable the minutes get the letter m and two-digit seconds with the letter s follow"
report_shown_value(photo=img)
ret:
11h28
